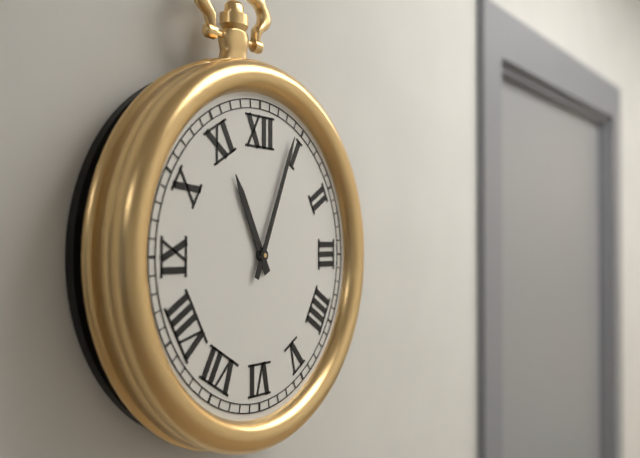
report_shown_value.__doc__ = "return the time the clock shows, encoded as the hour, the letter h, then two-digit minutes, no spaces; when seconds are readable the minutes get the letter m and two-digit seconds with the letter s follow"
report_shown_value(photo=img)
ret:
11h04
